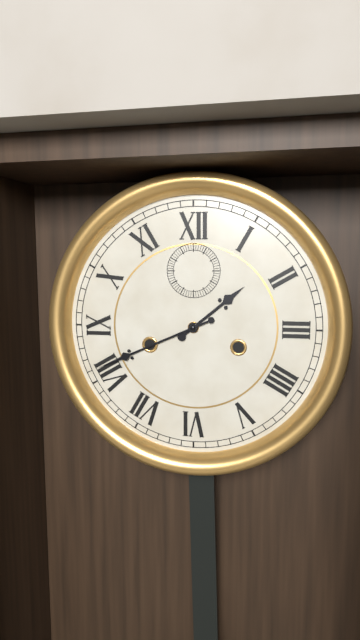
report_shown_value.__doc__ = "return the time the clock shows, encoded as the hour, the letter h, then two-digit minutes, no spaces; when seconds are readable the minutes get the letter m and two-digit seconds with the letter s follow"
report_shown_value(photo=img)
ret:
1h41
